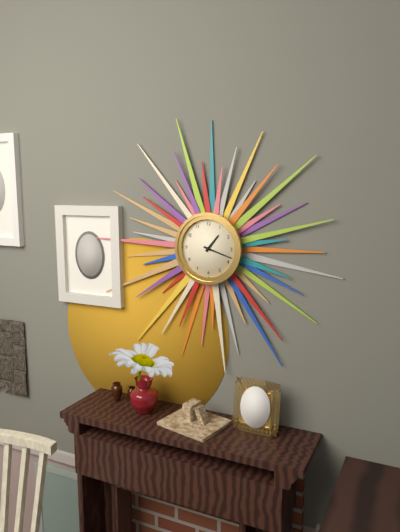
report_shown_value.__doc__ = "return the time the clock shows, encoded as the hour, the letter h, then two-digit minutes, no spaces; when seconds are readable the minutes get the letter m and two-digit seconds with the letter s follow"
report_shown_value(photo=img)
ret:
1h18
